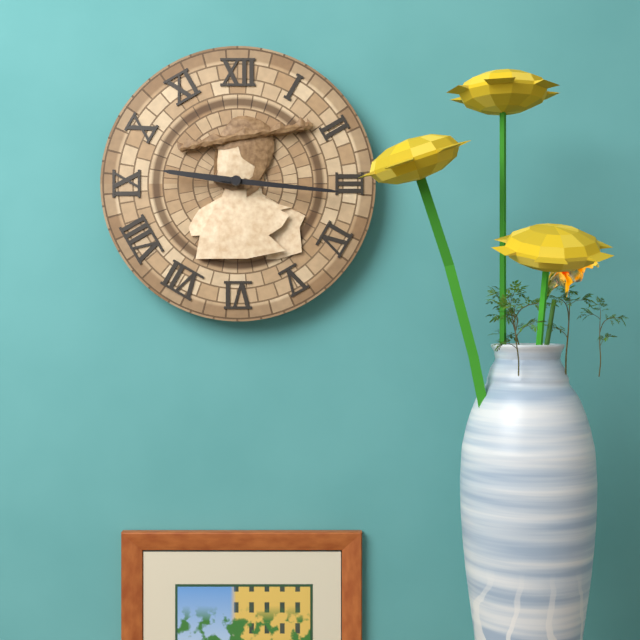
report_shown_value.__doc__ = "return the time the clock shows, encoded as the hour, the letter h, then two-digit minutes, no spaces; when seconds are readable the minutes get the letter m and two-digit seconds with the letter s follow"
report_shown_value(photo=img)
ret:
9h16
